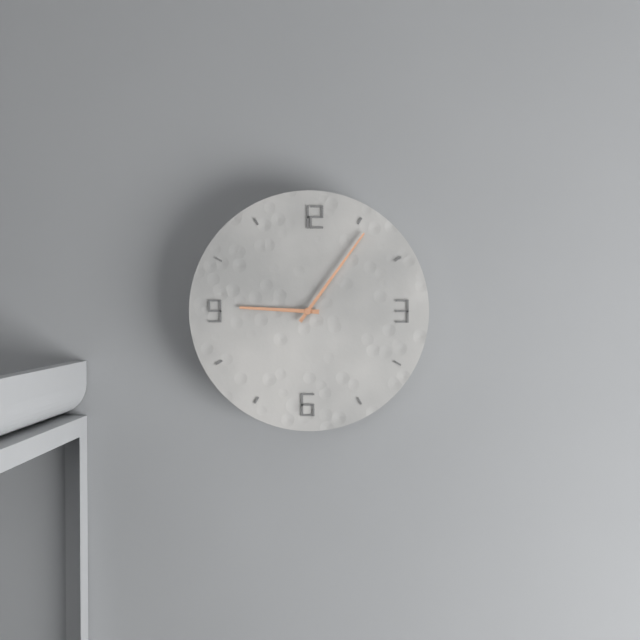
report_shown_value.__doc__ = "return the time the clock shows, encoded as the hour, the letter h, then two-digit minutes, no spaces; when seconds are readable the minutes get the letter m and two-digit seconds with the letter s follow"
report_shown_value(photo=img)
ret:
9h06
